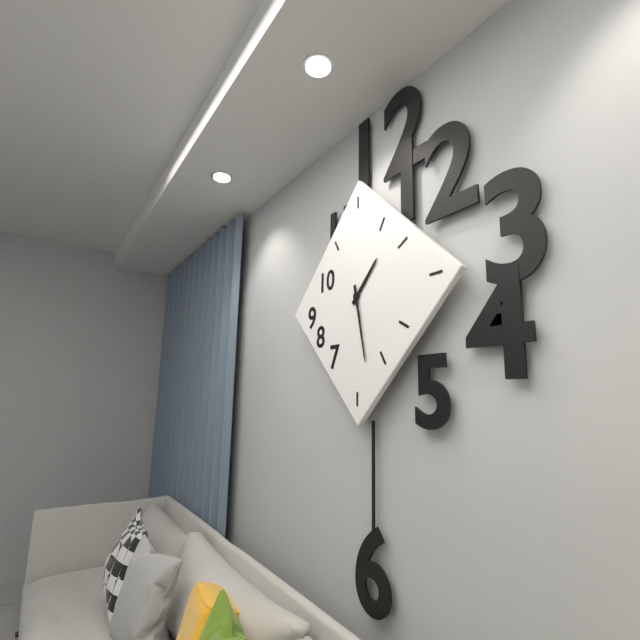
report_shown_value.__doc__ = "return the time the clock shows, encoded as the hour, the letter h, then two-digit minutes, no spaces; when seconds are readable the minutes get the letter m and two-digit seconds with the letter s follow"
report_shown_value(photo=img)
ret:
1h28
